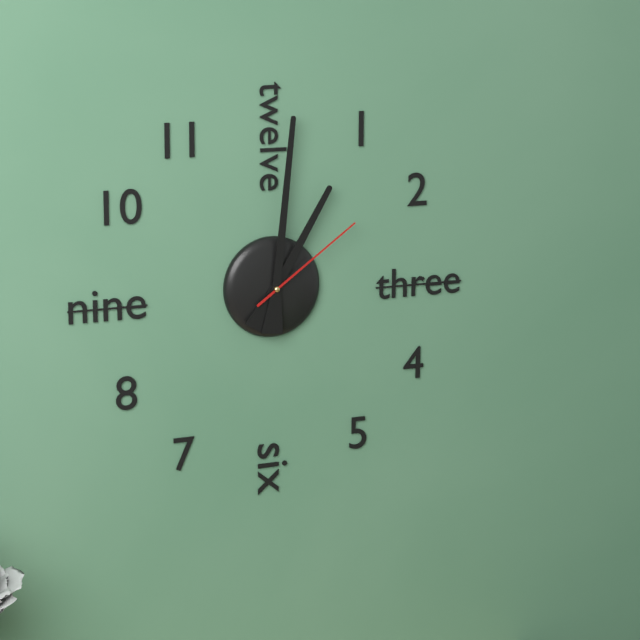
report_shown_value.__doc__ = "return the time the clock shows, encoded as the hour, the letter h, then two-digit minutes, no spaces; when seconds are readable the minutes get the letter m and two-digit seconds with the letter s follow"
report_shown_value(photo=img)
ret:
1h01m09s
